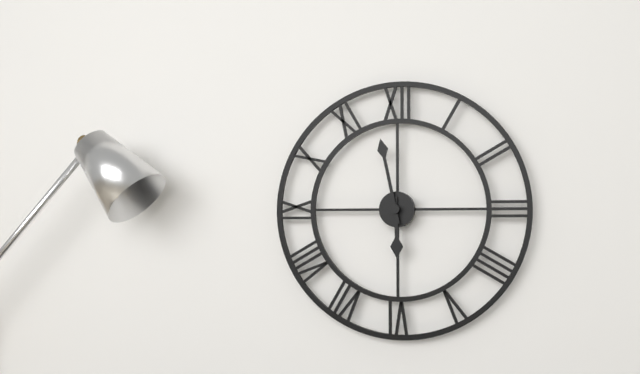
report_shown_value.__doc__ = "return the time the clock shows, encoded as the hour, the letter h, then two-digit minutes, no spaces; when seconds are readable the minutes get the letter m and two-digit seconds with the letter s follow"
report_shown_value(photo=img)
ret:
5h58
